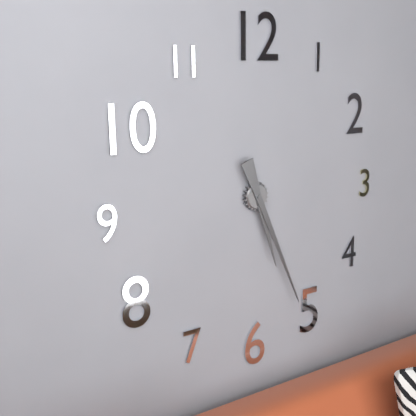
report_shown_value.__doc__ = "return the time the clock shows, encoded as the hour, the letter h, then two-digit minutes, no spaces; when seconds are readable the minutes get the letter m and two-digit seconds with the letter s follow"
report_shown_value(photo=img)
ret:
5h26
